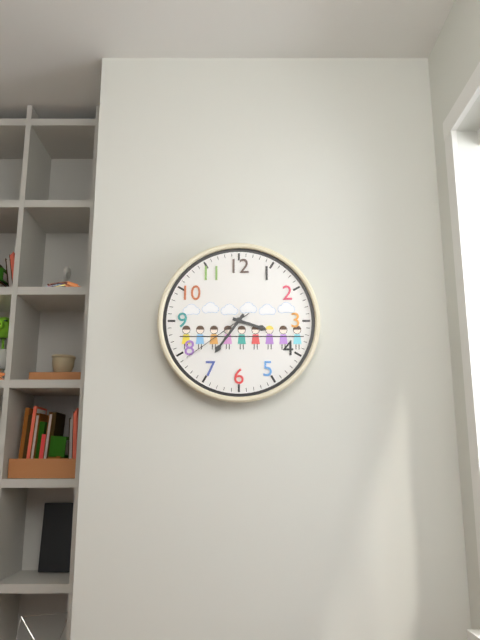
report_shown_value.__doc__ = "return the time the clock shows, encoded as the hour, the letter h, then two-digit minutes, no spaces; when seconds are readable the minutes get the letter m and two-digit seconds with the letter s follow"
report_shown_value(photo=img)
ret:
3h36m39s
